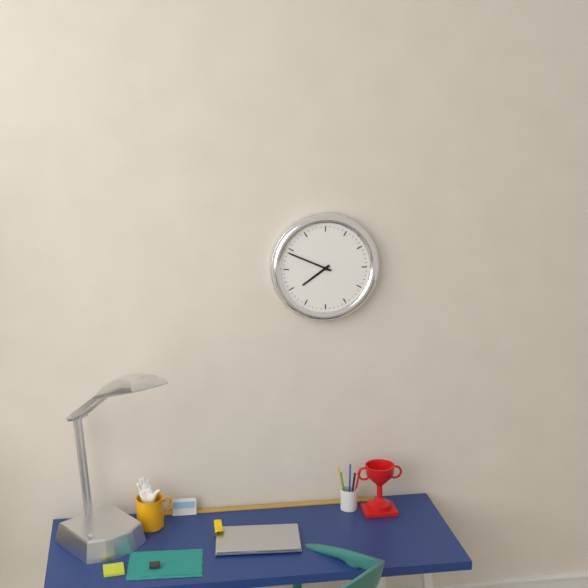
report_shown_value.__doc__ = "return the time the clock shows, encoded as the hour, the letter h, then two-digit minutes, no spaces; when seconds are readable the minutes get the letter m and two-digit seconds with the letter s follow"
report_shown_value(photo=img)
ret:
7h49
